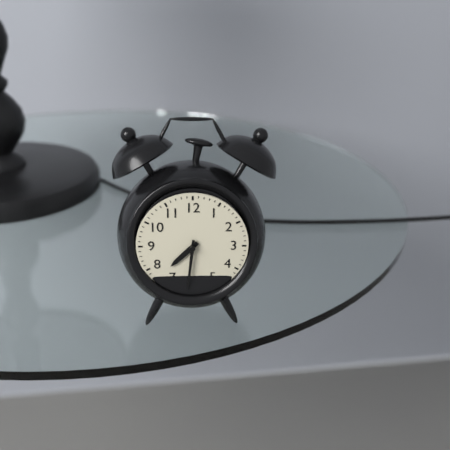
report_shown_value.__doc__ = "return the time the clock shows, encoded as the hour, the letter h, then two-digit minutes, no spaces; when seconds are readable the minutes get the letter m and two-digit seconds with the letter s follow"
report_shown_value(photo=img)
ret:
7h31
